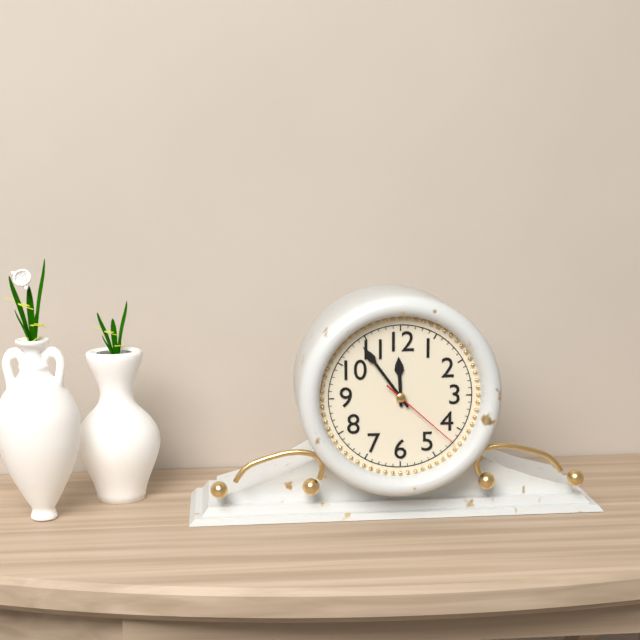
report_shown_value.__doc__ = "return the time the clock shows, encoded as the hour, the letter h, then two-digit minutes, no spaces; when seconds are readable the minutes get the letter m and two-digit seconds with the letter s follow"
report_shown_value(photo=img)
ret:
11h54m22s
